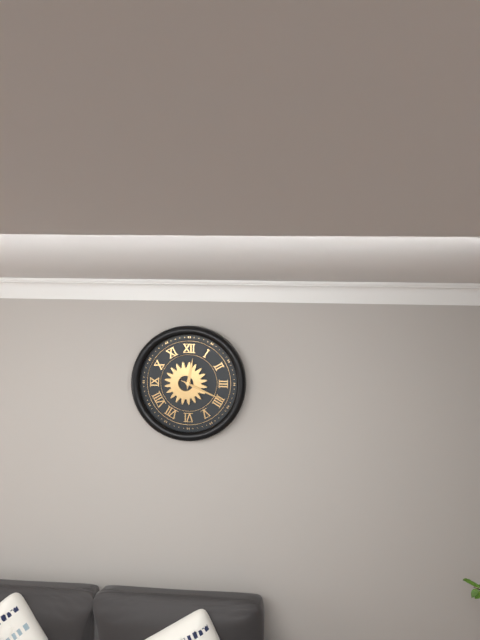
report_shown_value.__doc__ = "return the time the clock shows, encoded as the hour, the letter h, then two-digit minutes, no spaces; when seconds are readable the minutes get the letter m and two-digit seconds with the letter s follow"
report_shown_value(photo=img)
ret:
12h19
